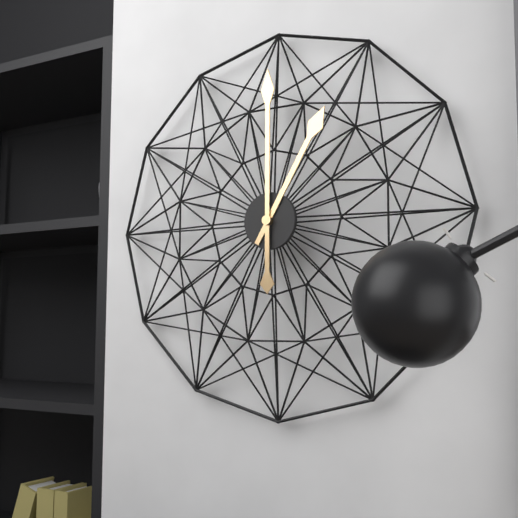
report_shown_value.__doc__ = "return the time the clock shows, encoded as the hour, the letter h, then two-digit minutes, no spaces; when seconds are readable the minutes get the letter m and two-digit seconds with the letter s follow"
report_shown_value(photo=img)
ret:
1h00
